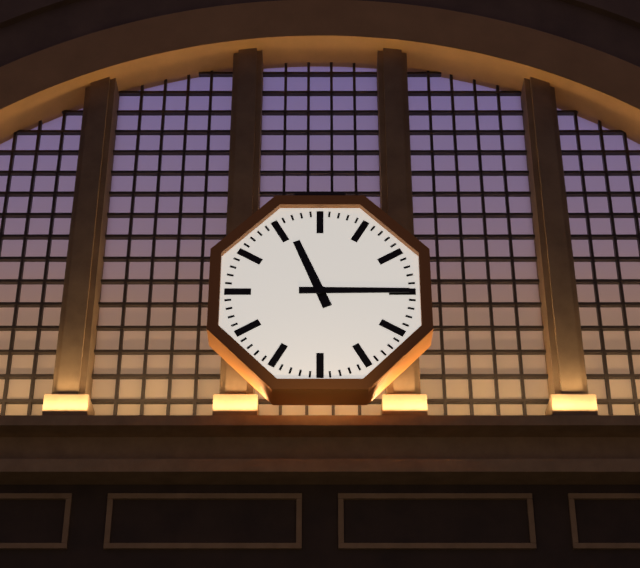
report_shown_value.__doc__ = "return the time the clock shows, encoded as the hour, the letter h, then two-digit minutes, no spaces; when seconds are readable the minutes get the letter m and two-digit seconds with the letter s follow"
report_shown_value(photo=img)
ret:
11h15
